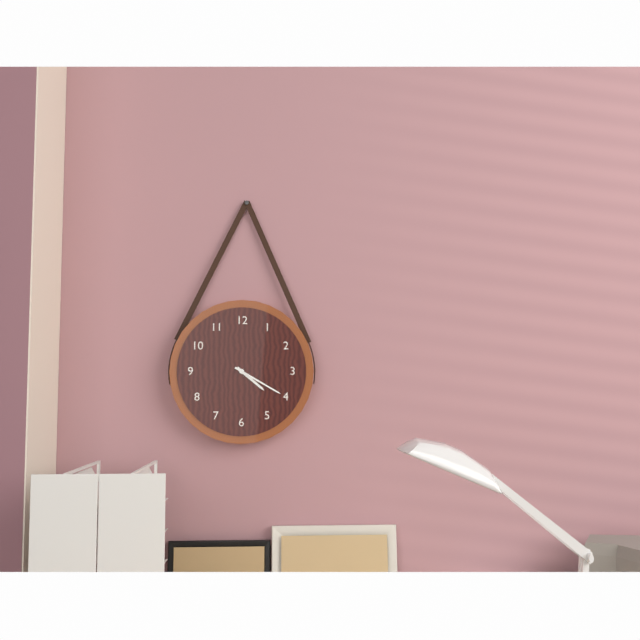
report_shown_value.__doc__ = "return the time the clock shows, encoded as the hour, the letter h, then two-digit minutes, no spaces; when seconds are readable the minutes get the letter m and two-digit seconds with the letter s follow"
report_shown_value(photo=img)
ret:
4h20
